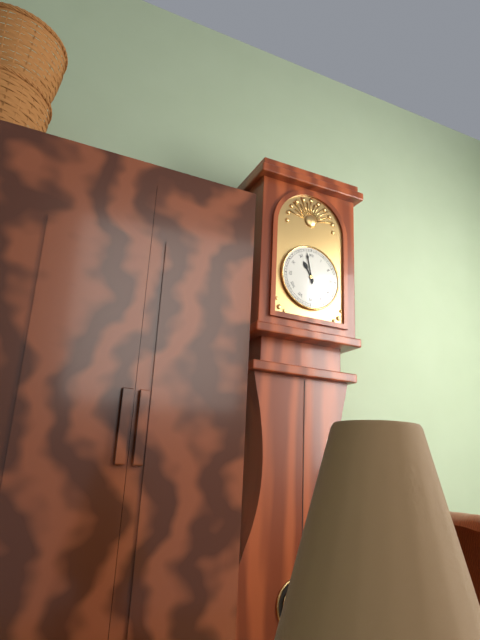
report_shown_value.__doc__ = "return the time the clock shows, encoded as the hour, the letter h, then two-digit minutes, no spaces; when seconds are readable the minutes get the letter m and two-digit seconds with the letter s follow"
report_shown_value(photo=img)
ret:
10h58
